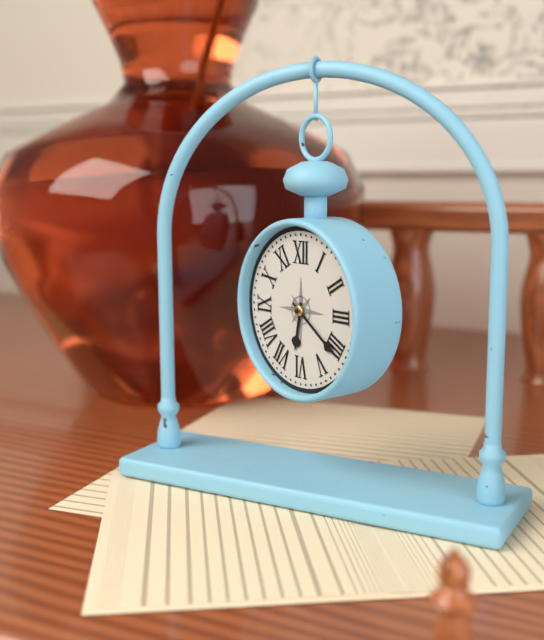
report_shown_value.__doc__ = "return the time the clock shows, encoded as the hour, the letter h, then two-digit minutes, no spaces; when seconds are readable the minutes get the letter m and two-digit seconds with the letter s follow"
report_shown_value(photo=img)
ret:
6h21
